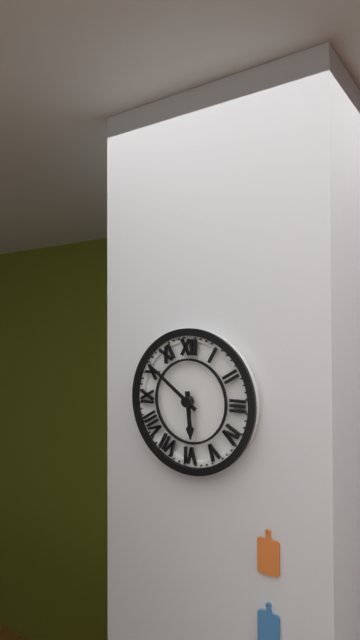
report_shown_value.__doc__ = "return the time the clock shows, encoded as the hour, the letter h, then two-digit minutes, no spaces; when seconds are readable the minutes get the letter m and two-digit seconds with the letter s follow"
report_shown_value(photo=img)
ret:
5h51
